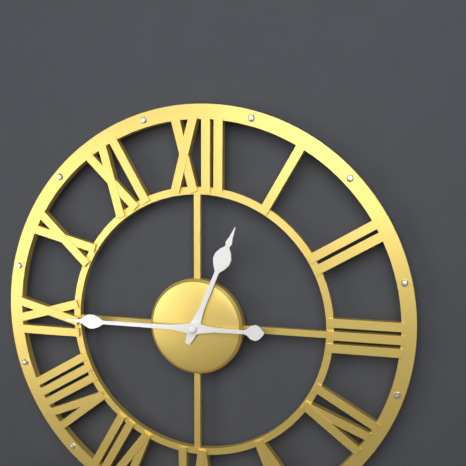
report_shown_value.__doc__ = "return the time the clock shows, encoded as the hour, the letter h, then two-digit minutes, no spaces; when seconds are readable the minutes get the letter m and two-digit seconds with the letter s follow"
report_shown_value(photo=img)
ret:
12h45
